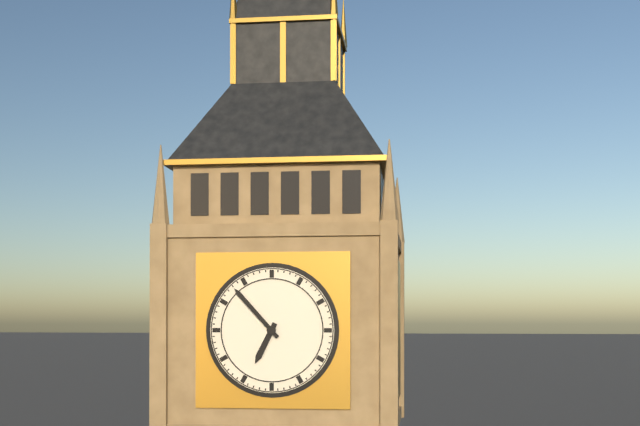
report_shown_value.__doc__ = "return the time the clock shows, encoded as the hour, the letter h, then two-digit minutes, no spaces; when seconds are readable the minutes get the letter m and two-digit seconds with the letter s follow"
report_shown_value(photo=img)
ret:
6h53
